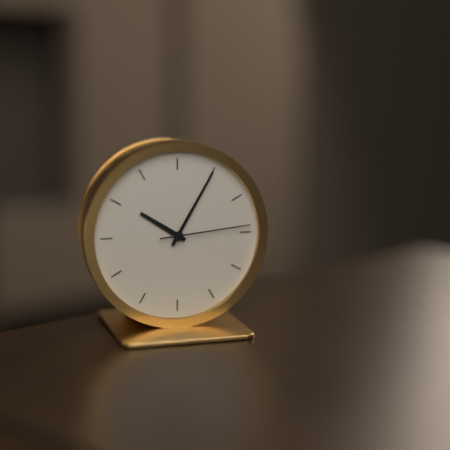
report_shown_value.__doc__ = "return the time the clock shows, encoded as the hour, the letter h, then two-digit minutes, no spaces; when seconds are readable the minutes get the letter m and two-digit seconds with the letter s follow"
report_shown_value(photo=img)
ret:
10h05m14s
